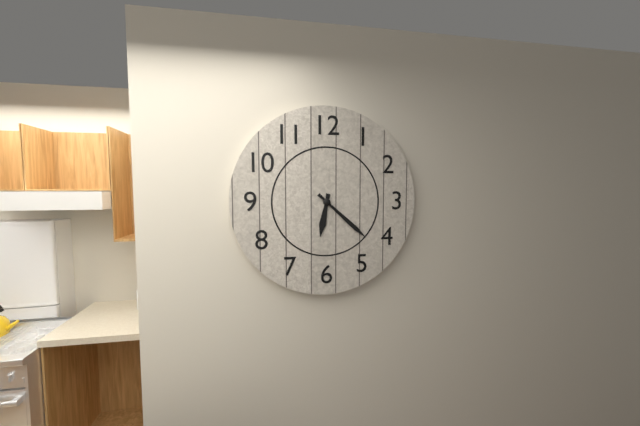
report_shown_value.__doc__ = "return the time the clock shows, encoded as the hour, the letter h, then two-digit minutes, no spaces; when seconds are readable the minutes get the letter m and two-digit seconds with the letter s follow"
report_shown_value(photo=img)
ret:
6h22
